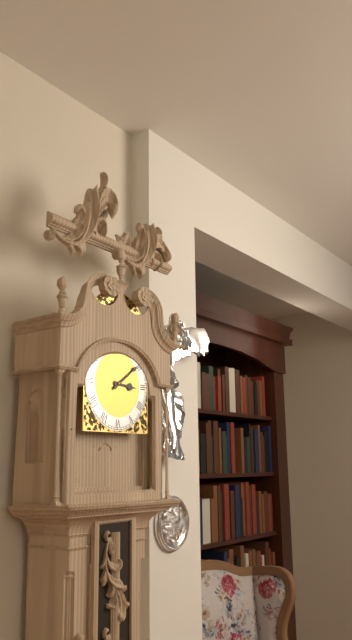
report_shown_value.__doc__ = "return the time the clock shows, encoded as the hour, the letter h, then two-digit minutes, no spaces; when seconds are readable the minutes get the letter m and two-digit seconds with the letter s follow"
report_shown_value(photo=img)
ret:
3h09
